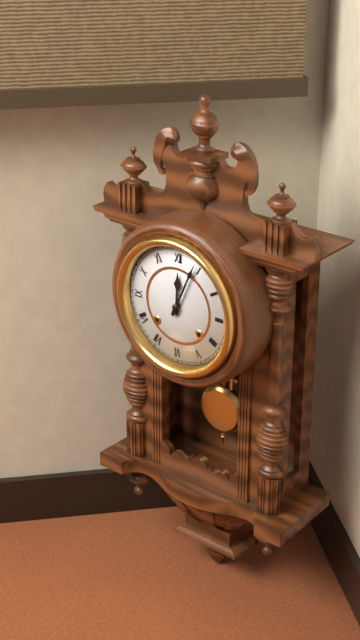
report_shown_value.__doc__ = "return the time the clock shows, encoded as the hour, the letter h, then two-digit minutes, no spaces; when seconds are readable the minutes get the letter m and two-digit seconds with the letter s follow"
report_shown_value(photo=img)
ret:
12h04
